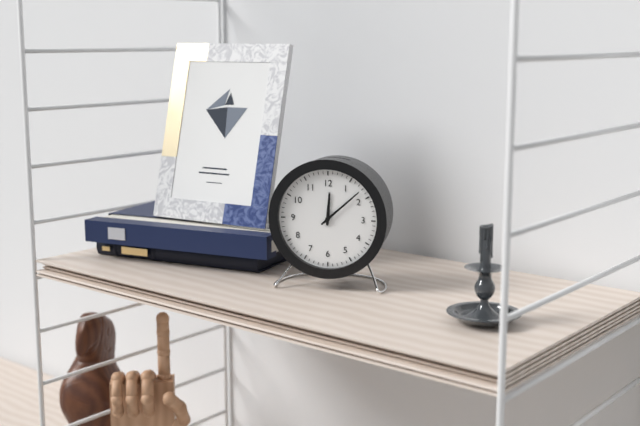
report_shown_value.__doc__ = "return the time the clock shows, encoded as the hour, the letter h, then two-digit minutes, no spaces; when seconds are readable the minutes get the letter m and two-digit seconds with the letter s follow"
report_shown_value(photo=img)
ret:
12h08
